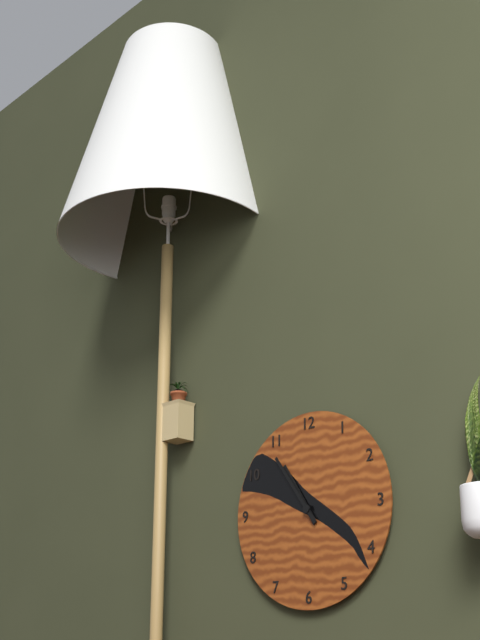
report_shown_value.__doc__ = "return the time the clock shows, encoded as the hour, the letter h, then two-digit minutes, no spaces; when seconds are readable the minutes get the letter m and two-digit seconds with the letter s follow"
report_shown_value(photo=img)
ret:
10h54
